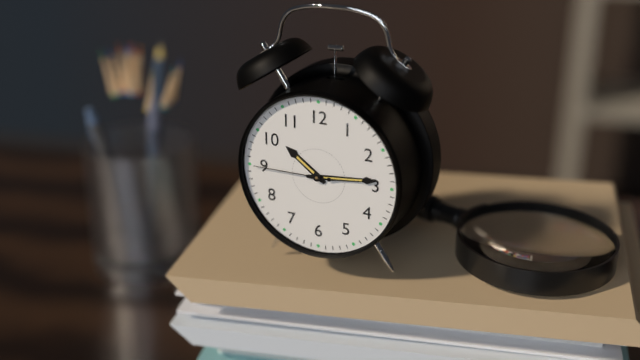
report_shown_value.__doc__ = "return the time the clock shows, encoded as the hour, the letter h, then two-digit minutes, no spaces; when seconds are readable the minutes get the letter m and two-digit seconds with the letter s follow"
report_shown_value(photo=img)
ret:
10h14m45s
